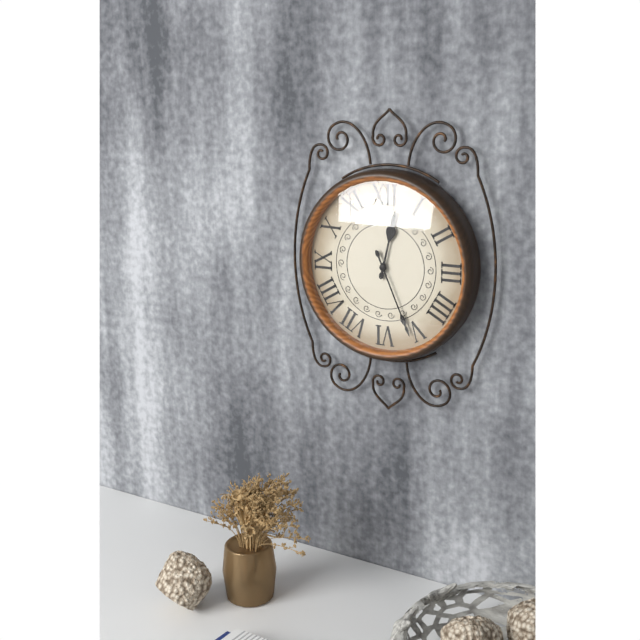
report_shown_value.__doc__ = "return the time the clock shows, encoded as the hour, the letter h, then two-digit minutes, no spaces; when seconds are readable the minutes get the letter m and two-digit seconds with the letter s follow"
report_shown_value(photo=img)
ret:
12h26
